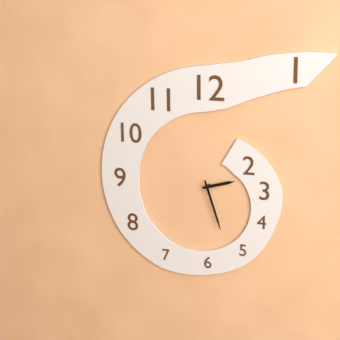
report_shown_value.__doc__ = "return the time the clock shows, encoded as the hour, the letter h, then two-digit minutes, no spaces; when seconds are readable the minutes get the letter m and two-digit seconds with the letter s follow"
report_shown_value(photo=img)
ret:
2h27
